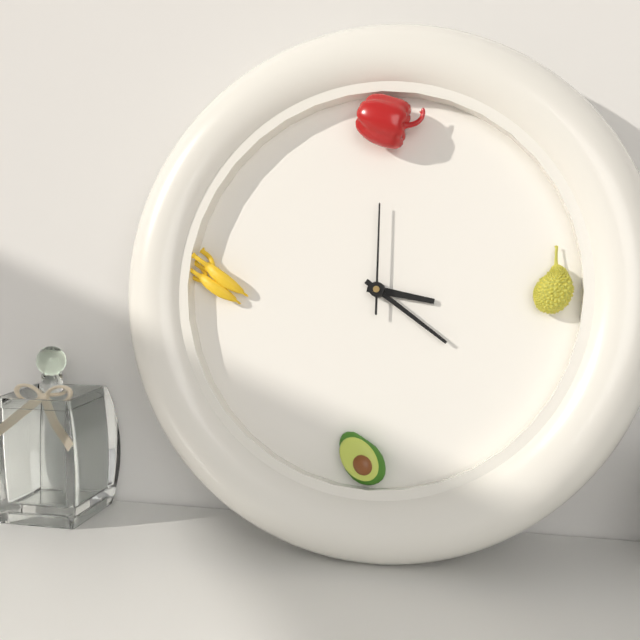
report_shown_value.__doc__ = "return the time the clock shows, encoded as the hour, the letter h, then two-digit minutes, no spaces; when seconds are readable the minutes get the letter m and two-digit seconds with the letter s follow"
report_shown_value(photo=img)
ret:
3h21m00s
